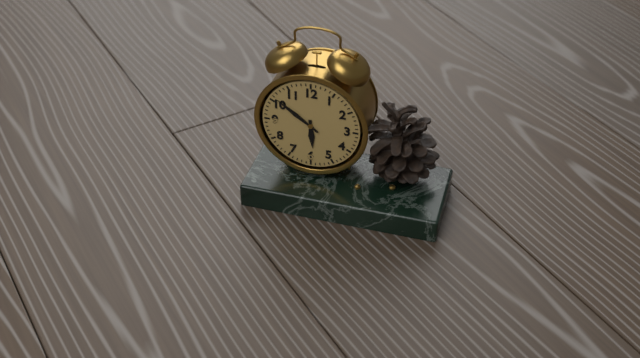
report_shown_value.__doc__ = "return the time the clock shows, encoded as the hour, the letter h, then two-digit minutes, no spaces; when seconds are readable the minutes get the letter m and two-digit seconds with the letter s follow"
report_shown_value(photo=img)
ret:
5h51
